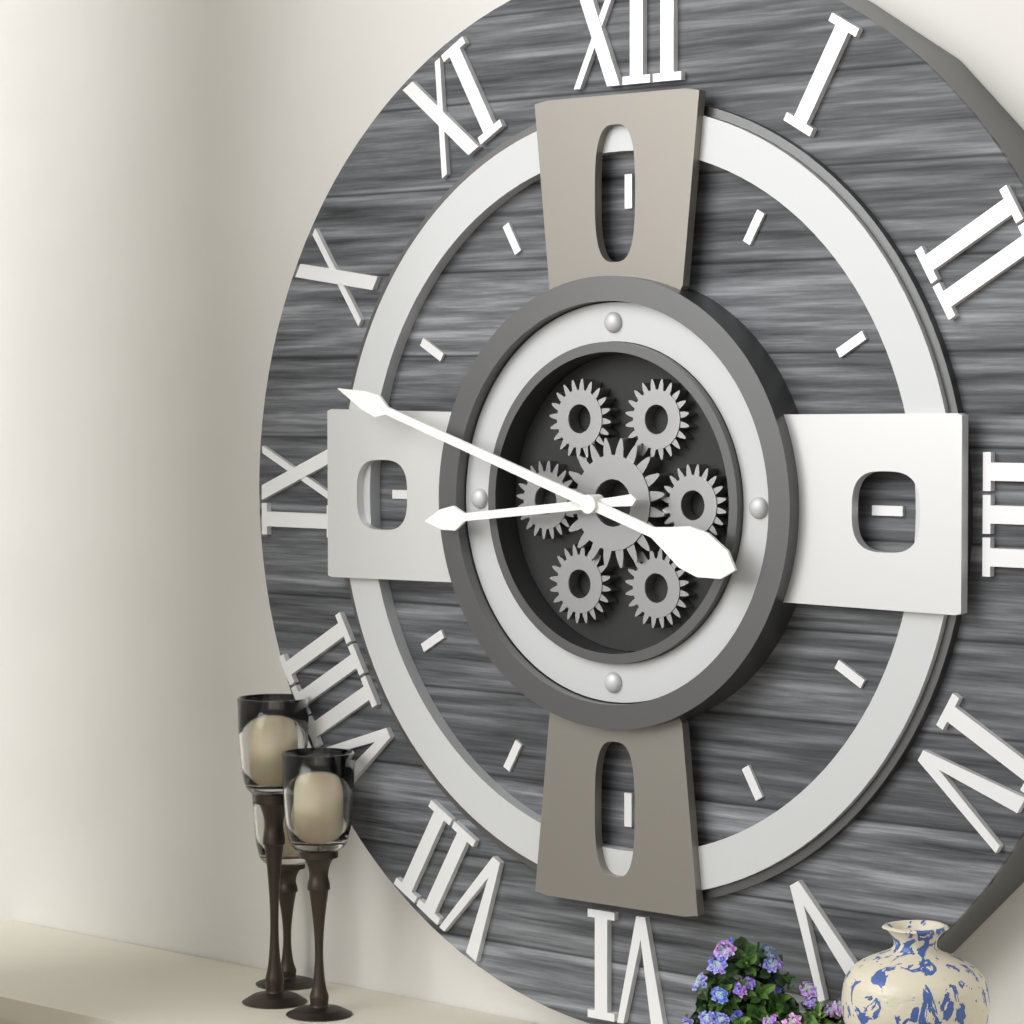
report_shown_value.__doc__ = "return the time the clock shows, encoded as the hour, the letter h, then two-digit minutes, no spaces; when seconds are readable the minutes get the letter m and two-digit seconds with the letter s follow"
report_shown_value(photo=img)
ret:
8h48
